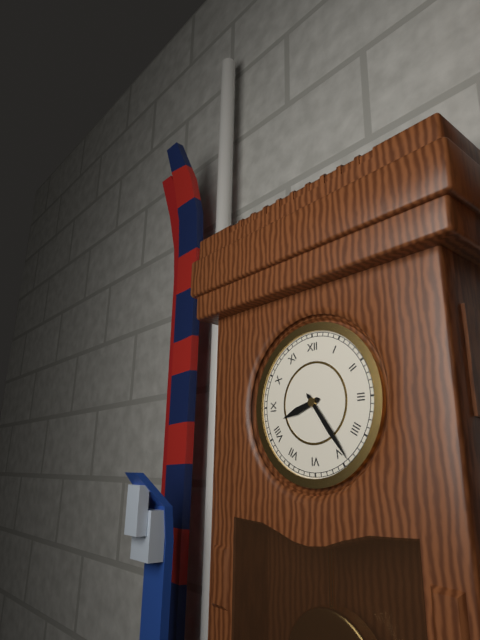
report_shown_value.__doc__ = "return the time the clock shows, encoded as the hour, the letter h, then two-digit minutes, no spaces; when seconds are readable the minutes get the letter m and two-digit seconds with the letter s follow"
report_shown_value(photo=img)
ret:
8h24
